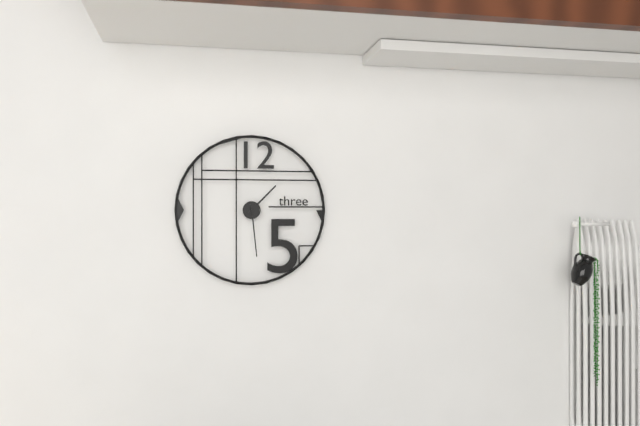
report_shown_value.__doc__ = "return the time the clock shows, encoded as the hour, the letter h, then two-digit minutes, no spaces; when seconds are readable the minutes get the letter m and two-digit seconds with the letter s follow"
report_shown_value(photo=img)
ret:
1h29
